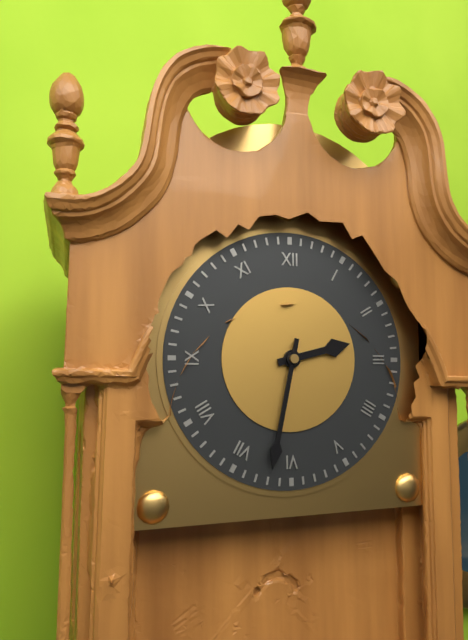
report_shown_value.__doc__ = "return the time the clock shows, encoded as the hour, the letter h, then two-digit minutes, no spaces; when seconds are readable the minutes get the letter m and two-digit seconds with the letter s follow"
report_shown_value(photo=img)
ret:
2h32
